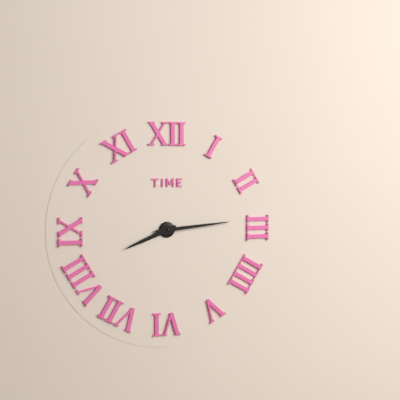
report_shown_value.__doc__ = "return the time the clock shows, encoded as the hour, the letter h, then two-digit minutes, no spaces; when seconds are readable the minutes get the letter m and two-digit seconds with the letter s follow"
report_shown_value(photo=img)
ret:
8h14
